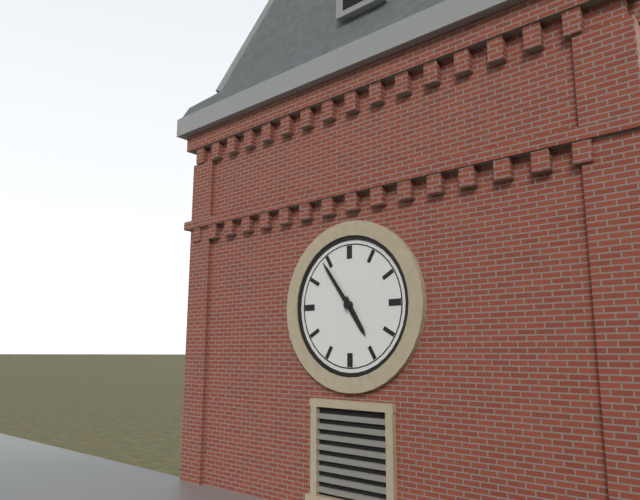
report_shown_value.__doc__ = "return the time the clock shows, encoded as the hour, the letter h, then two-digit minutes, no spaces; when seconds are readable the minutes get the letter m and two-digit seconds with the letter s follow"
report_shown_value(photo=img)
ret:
4h54
